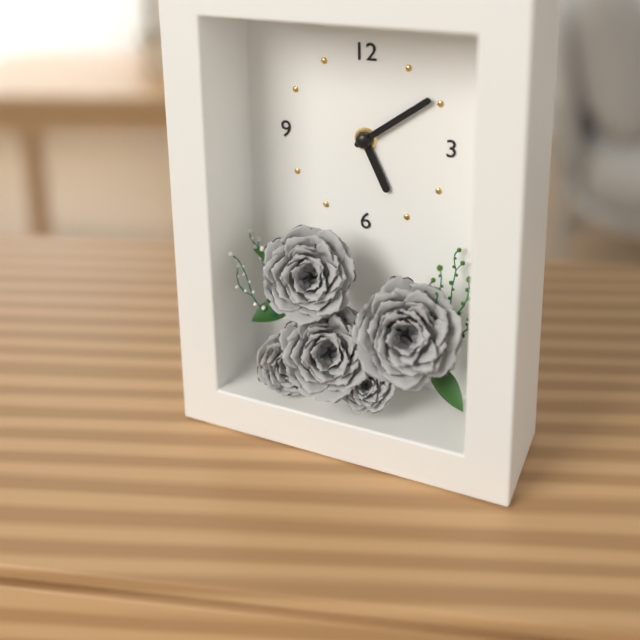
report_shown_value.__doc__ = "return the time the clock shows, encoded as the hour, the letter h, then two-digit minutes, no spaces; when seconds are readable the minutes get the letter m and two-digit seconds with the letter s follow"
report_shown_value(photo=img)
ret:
5h09
